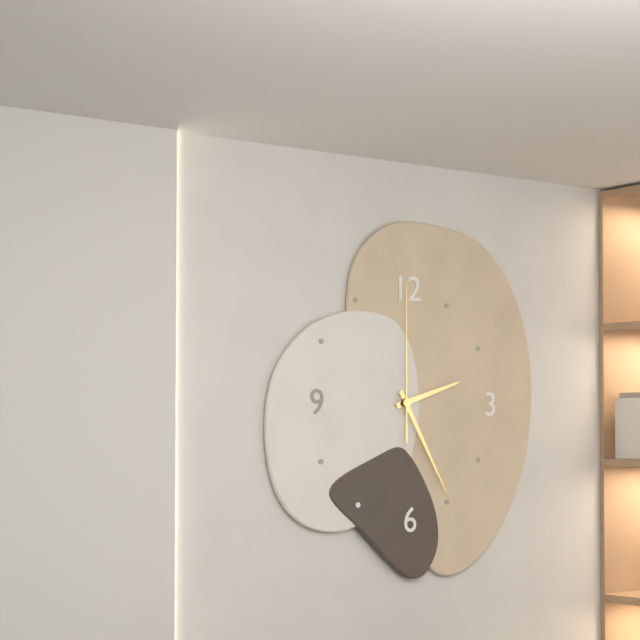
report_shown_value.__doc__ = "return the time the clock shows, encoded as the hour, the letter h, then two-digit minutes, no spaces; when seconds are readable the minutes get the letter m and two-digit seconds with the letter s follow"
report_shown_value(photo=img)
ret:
2h25m00s
